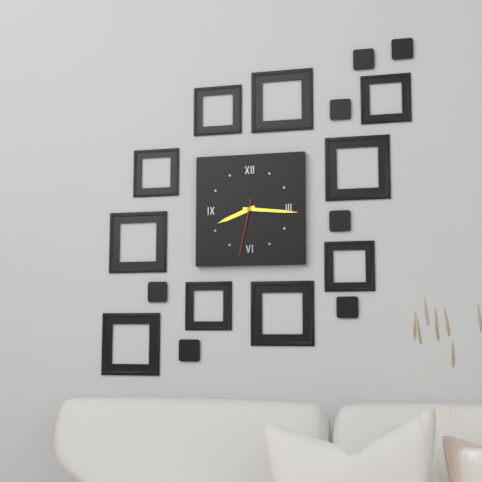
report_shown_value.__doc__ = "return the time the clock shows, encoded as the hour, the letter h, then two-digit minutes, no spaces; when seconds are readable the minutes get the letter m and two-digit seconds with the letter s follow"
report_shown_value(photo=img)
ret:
8h16m32s
